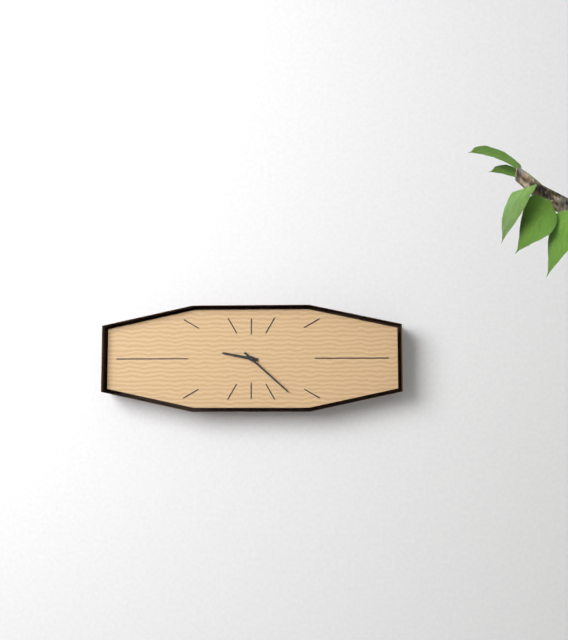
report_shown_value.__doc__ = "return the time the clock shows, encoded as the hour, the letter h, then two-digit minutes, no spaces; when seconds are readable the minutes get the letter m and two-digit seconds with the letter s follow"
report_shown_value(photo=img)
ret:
9h22
